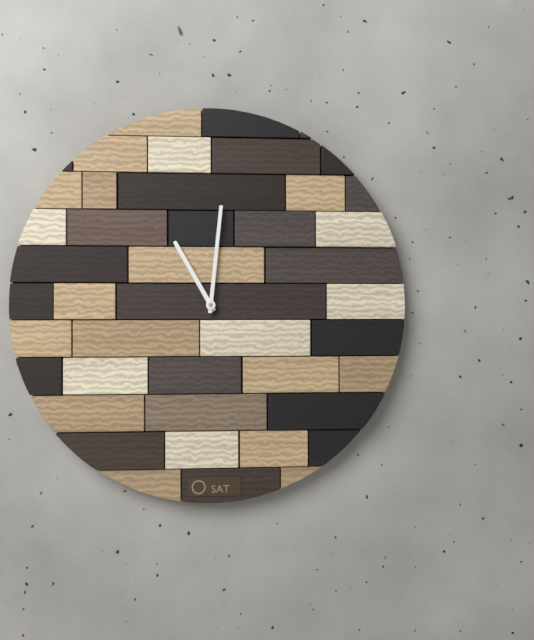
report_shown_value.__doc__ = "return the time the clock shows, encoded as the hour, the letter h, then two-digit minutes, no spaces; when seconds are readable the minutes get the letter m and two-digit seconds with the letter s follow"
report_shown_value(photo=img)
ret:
11h01
